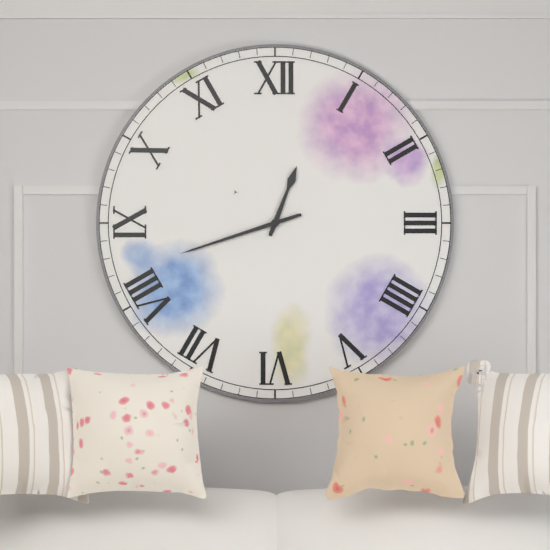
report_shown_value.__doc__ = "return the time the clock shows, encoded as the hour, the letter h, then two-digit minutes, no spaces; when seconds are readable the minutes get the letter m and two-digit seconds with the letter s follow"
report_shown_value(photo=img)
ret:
12h42
